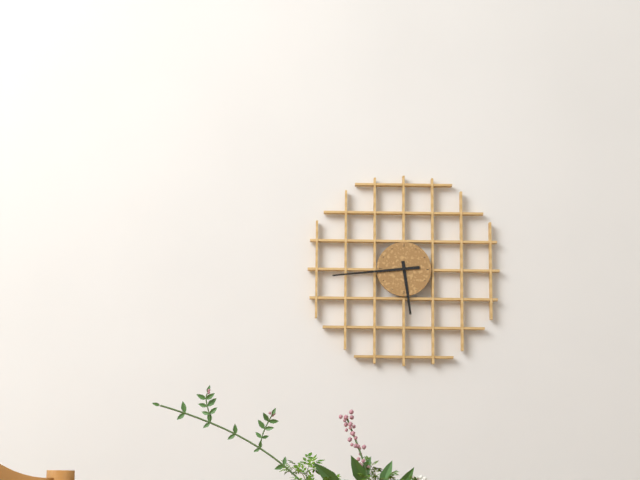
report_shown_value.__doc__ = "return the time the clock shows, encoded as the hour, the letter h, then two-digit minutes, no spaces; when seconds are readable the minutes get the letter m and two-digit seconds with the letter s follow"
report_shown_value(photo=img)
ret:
5h44
